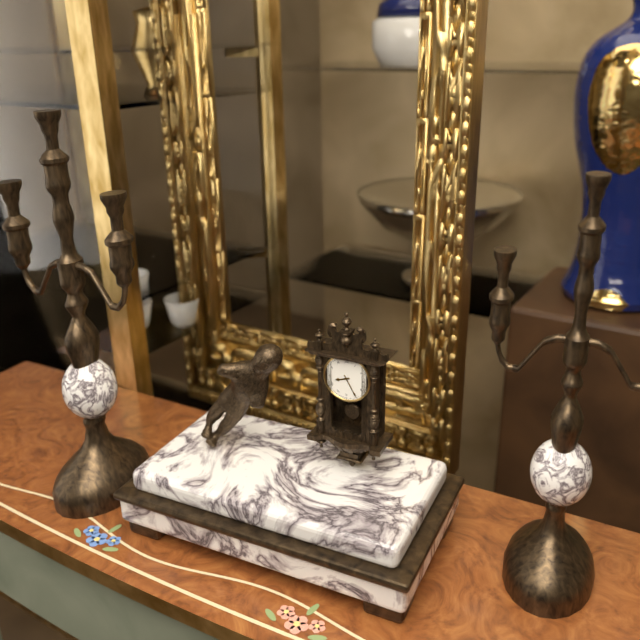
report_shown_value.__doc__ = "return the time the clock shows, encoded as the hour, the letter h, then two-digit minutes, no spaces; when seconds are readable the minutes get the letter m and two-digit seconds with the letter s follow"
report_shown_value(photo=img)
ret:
8h25
